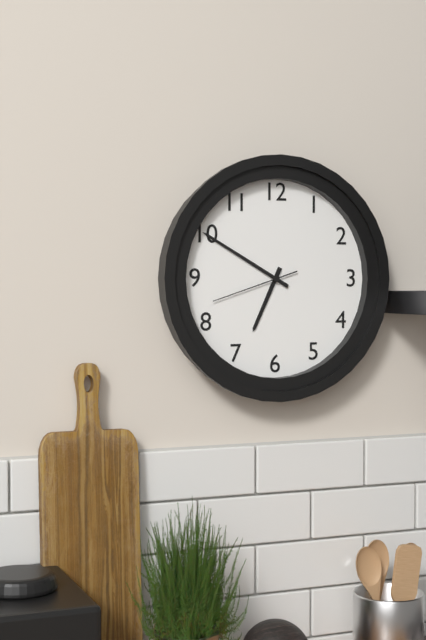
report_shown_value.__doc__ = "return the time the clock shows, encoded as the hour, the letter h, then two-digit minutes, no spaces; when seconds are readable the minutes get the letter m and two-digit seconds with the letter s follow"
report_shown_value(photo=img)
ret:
6h50m42s
